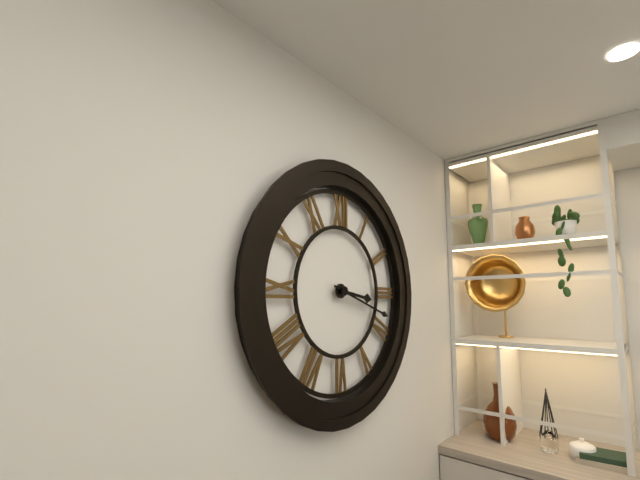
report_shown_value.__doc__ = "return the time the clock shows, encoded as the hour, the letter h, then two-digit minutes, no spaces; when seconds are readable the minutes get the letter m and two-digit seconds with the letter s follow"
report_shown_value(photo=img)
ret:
3h18
